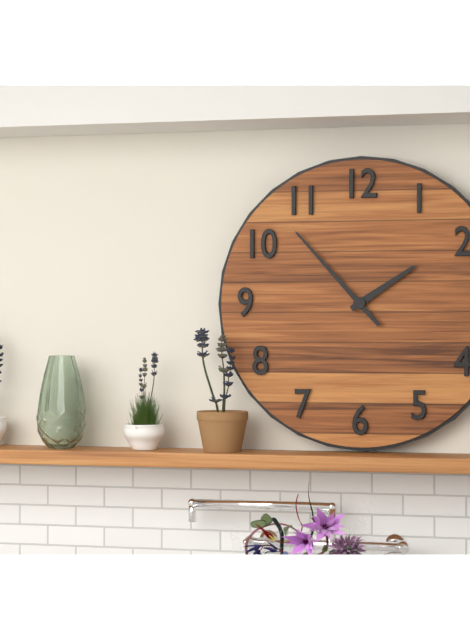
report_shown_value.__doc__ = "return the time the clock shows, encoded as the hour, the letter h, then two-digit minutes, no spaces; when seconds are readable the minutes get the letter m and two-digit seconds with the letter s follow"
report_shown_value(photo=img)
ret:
1h53
